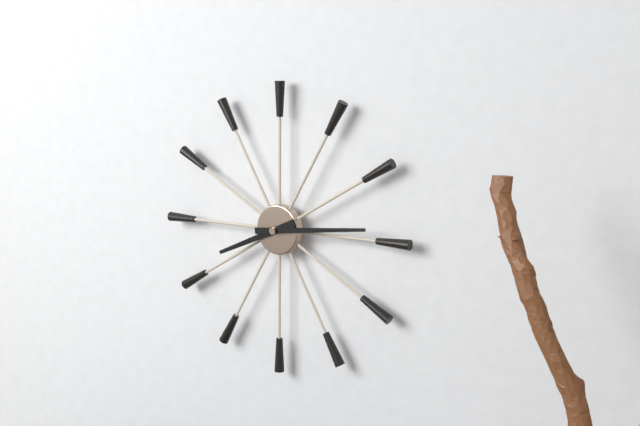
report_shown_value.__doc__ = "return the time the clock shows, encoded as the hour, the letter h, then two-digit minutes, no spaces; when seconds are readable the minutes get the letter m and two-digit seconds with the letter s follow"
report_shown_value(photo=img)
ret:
8h14
